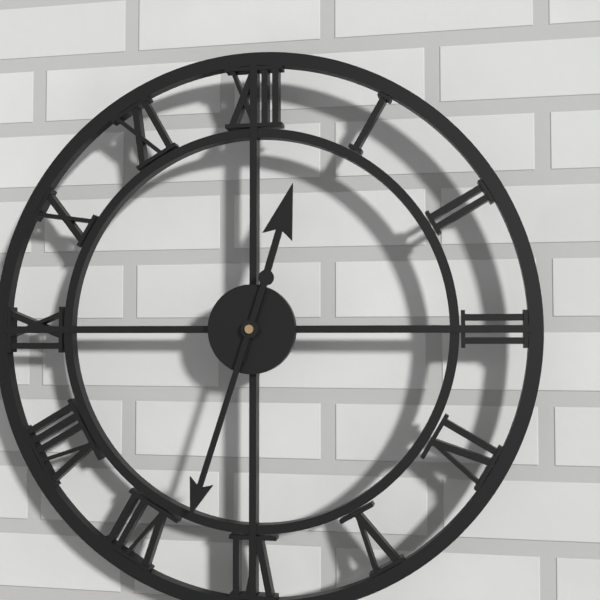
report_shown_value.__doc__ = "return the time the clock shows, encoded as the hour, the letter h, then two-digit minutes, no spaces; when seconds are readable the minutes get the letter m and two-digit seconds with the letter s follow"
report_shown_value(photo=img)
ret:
12h33
